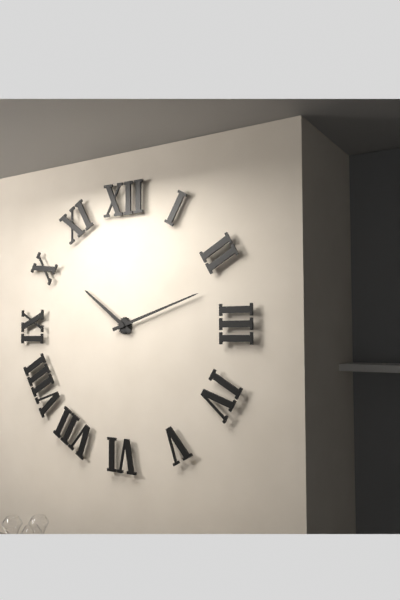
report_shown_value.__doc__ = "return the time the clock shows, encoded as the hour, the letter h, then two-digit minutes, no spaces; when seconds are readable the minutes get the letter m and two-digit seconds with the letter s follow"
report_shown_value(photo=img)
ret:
10h12
